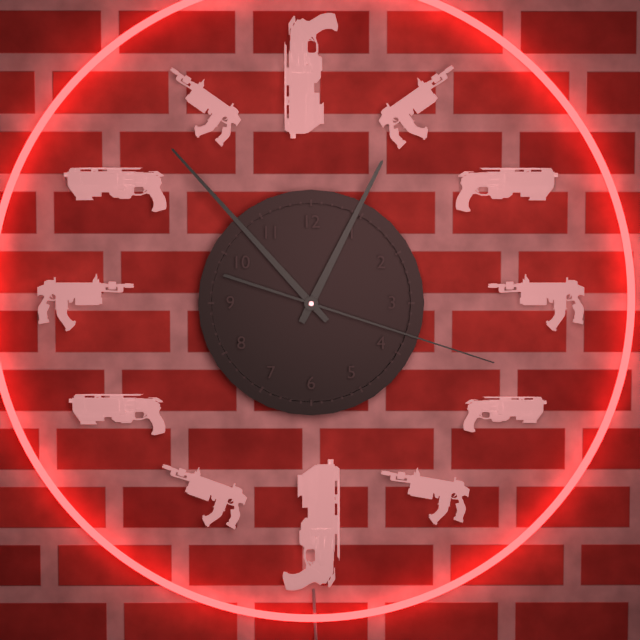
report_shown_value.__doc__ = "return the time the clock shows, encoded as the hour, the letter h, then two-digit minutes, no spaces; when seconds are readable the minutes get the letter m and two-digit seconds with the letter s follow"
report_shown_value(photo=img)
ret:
12h53m18s
